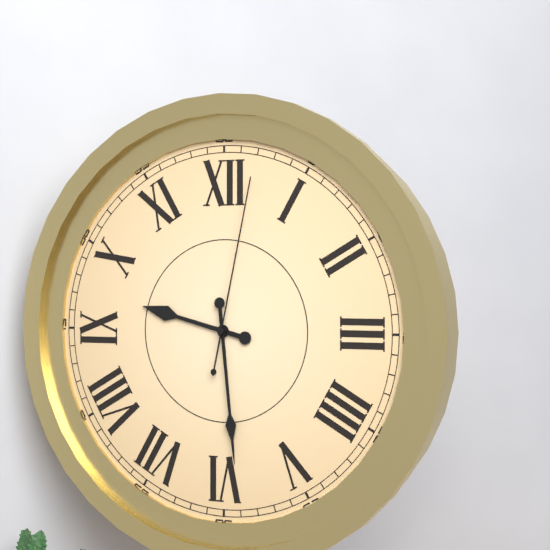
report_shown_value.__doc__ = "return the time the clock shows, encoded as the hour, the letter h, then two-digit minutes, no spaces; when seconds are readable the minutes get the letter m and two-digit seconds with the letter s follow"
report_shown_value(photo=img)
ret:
9h29m02s
